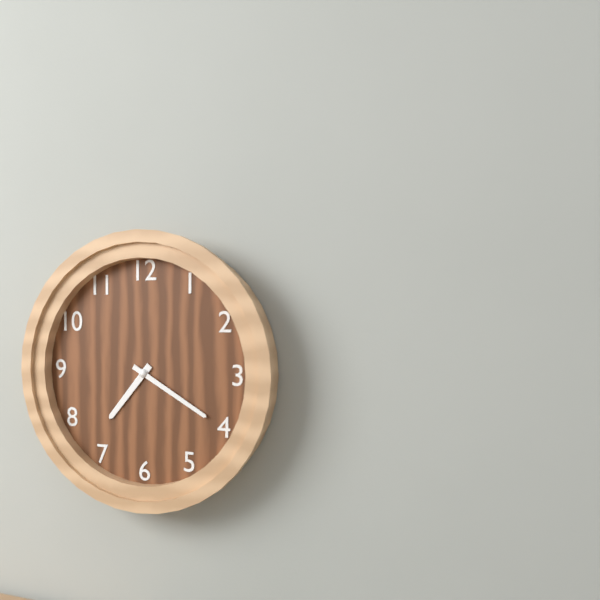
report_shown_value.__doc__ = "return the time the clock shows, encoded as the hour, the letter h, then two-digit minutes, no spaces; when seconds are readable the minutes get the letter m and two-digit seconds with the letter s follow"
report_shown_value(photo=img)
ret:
7h20
